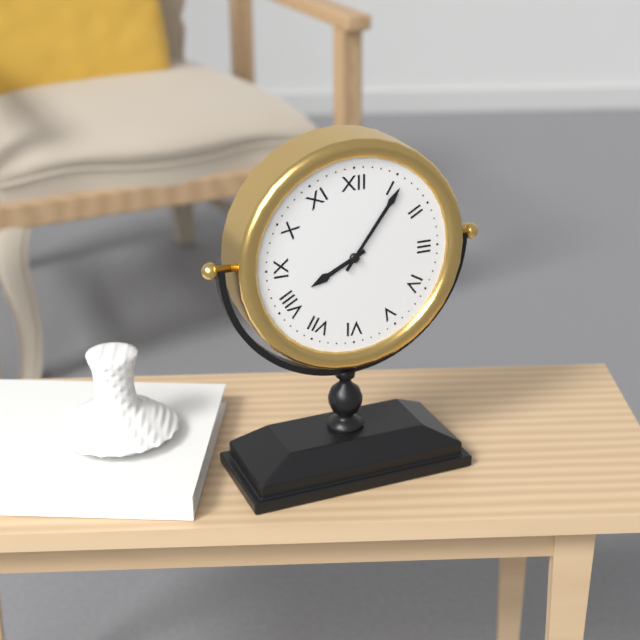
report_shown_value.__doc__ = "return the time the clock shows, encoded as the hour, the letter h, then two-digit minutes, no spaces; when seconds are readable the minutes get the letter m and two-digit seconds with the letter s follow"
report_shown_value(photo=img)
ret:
8h06
